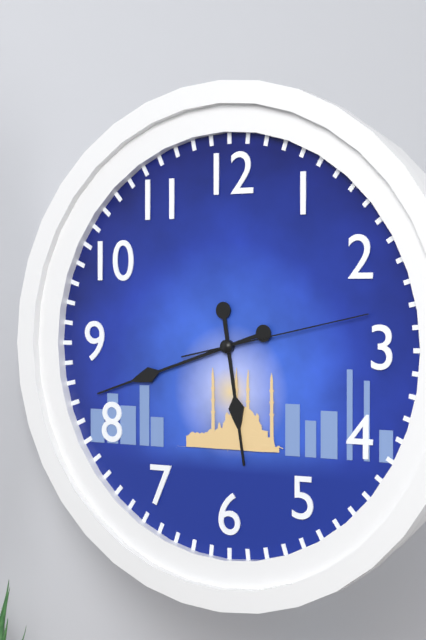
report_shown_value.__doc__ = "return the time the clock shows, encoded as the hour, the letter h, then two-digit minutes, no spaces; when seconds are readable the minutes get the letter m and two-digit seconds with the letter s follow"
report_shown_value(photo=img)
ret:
5h42m13s
